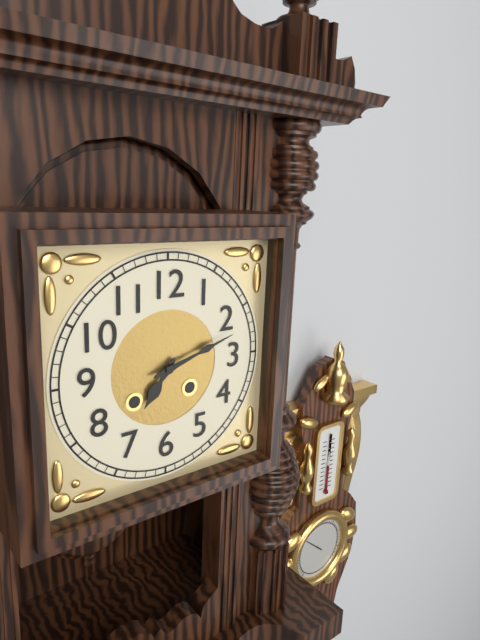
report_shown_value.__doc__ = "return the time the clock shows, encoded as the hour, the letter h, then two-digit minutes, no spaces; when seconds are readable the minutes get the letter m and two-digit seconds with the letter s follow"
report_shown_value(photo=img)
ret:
7h12
